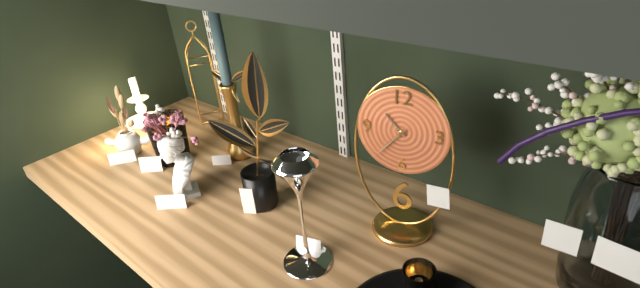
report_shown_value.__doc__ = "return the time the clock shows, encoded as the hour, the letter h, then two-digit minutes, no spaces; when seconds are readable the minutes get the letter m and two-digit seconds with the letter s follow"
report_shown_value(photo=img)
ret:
10h37
